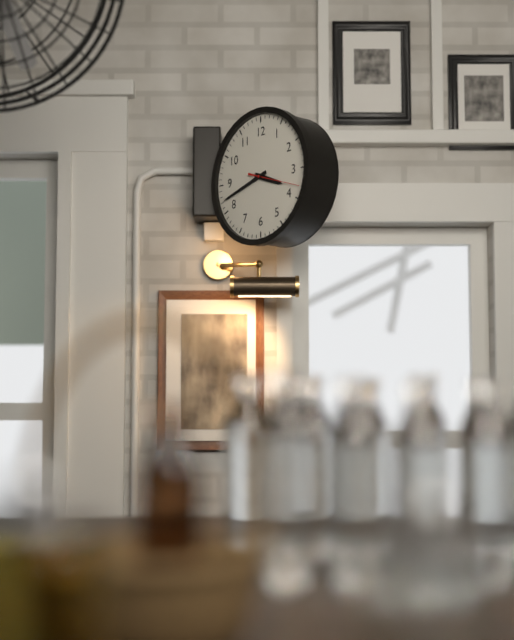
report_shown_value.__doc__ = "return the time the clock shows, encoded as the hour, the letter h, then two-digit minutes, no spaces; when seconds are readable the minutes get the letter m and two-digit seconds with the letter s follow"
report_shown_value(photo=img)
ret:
3h42m18s
